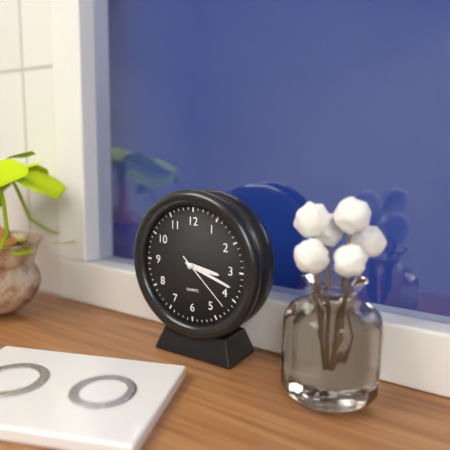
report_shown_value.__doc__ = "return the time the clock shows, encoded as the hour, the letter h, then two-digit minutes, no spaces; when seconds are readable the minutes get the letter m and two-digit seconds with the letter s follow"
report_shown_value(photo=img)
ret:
3h18m22s
